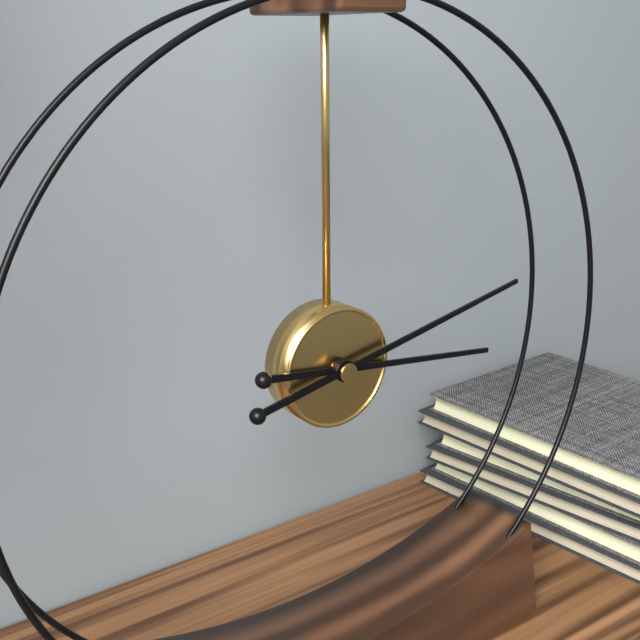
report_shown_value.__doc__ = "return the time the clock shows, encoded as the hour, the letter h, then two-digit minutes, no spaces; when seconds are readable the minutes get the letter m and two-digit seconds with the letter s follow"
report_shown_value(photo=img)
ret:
3h13
